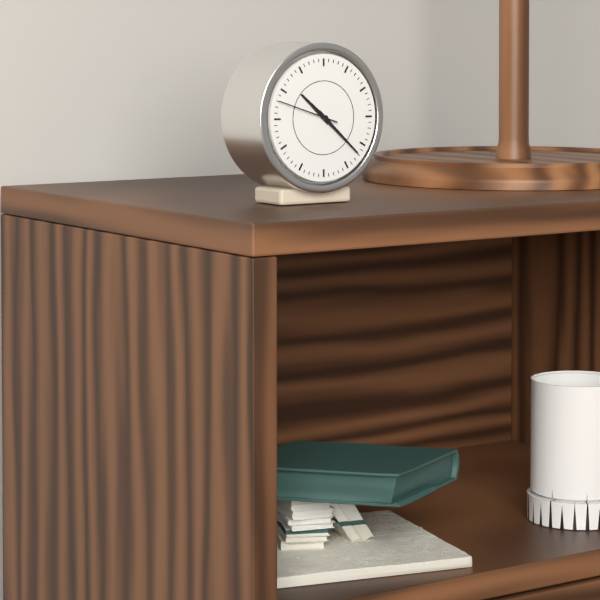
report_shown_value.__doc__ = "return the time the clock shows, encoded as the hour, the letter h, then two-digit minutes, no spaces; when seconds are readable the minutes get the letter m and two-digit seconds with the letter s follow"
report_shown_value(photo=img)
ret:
10h22m48s
